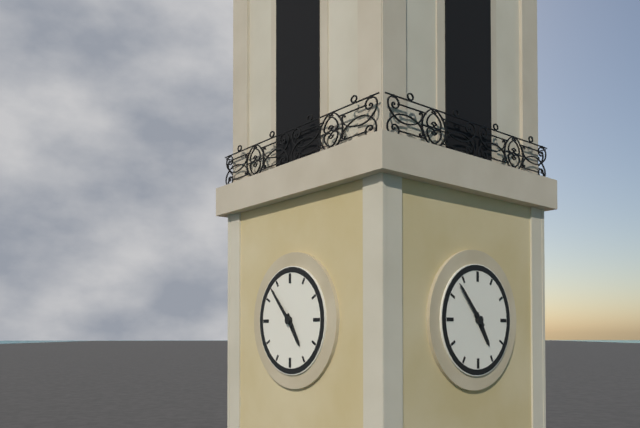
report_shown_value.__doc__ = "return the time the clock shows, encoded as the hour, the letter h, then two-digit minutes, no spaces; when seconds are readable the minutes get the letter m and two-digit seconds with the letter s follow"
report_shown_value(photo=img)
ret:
4h53
